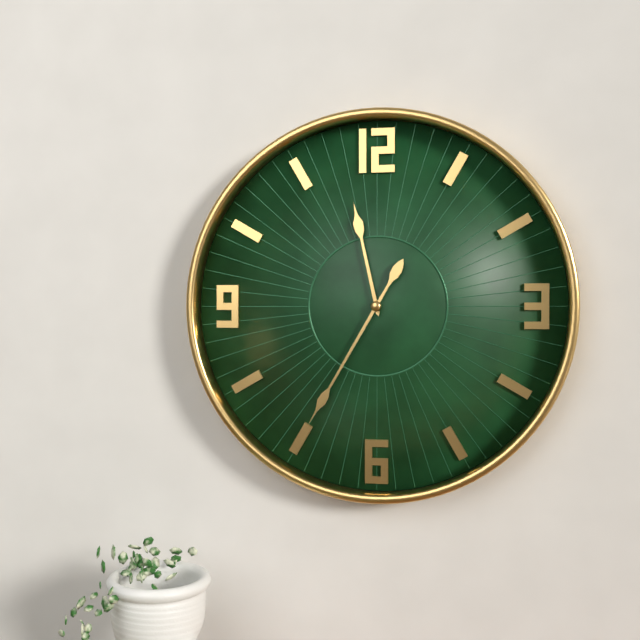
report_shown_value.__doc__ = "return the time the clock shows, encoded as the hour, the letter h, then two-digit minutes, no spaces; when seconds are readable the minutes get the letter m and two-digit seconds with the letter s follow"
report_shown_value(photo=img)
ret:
11h35
